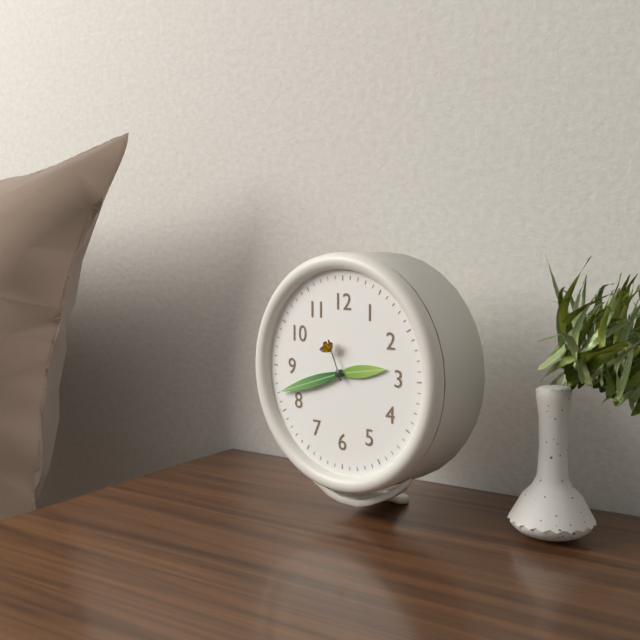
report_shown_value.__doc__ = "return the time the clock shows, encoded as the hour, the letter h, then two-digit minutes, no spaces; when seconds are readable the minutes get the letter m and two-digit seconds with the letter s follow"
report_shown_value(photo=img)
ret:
2h42
